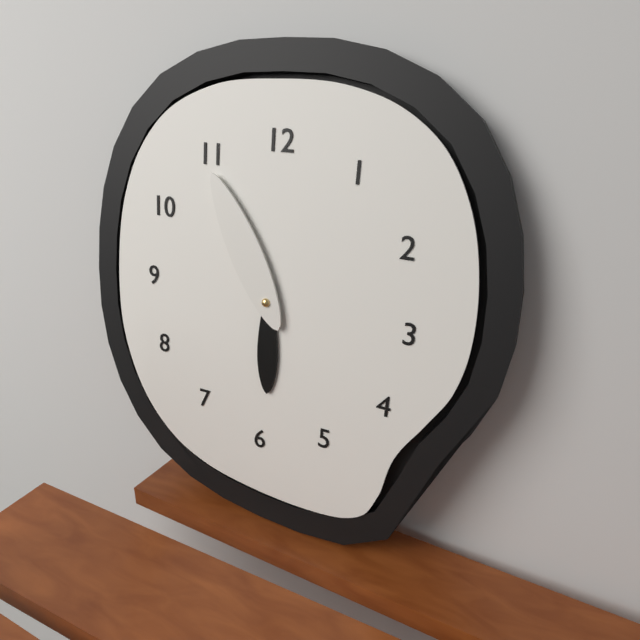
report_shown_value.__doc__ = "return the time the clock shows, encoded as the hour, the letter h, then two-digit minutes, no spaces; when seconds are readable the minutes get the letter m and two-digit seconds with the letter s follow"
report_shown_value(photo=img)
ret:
5h55
